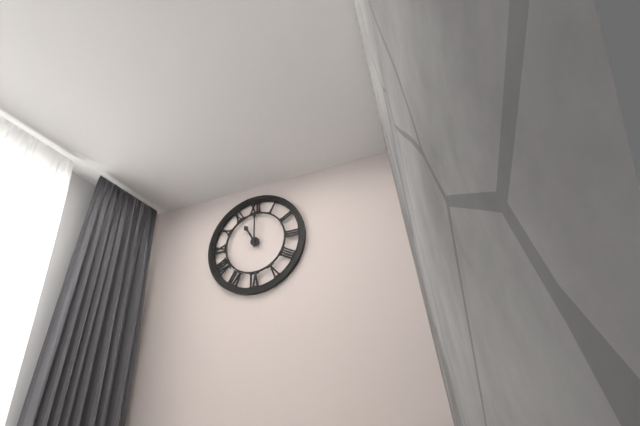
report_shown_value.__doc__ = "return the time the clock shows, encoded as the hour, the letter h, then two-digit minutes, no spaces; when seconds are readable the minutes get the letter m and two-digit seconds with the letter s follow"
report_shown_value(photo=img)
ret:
11h00
